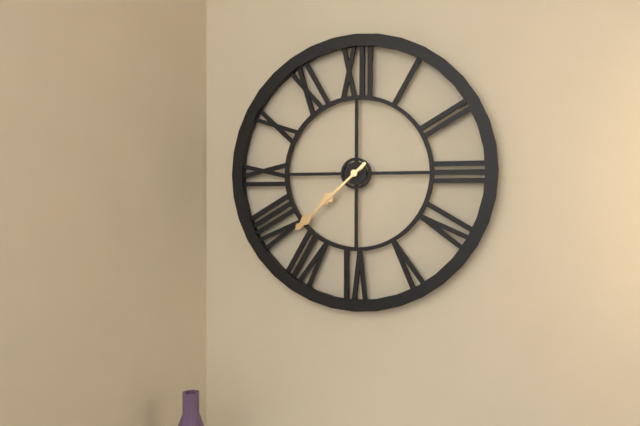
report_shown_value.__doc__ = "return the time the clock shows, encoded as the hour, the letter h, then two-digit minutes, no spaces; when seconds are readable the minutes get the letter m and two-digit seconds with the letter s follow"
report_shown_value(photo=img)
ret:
7h38
